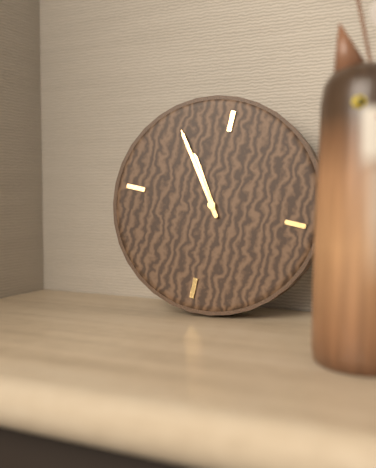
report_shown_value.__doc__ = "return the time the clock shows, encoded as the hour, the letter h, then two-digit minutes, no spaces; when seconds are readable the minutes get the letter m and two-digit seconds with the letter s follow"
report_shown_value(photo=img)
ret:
10h54
